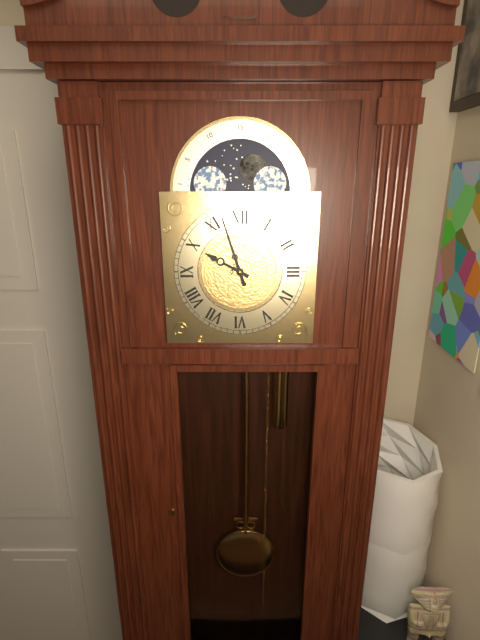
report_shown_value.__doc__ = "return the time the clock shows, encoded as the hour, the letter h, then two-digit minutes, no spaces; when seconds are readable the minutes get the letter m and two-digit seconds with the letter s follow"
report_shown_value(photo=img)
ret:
9h57
